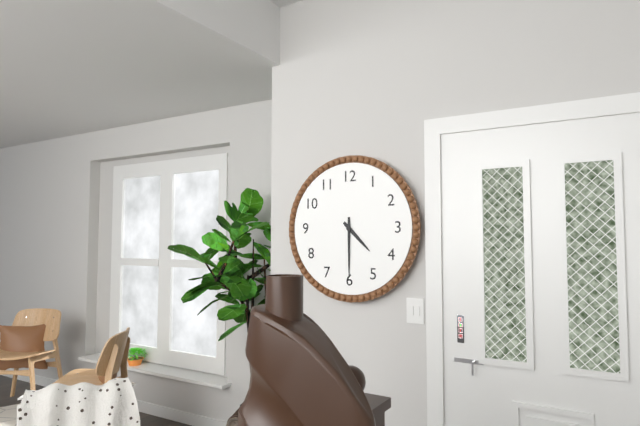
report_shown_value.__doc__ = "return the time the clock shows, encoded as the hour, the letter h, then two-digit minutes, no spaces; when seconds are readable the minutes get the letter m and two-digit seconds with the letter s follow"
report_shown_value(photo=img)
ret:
4h30
